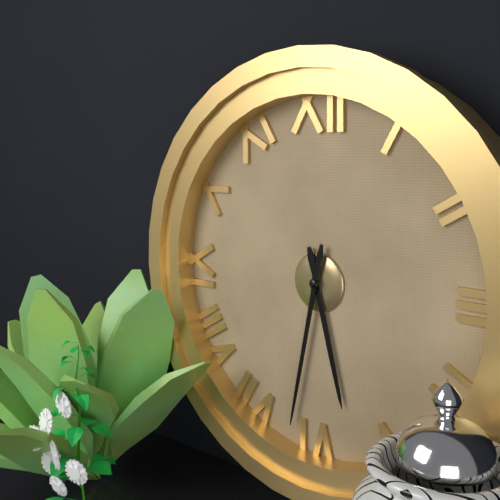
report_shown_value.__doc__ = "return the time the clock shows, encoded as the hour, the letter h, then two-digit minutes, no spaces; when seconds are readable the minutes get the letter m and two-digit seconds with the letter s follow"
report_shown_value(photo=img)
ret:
5h32
